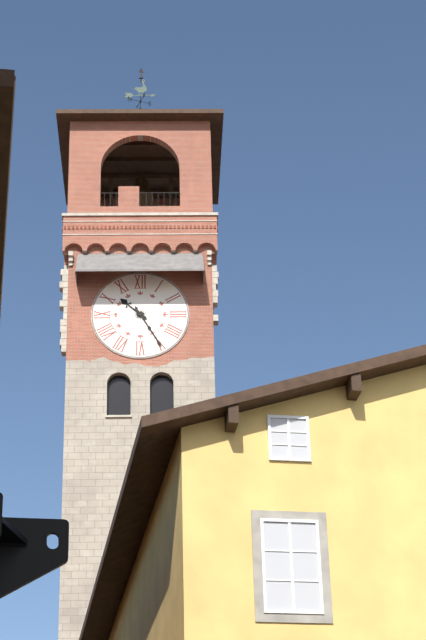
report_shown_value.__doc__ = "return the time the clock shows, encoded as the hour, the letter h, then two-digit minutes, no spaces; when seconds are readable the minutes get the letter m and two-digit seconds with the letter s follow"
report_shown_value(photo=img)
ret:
10h25
